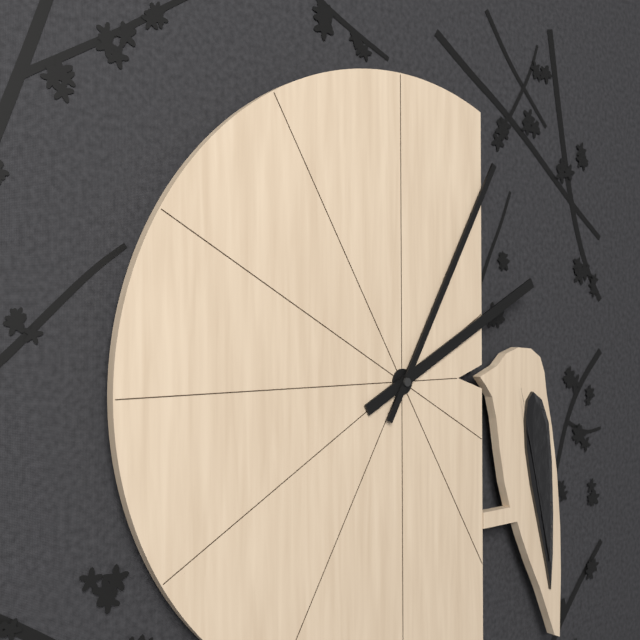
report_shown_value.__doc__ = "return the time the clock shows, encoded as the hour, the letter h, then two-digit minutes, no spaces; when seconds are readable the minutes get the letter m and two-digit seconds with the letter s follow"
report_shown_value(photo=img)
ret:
2h05
